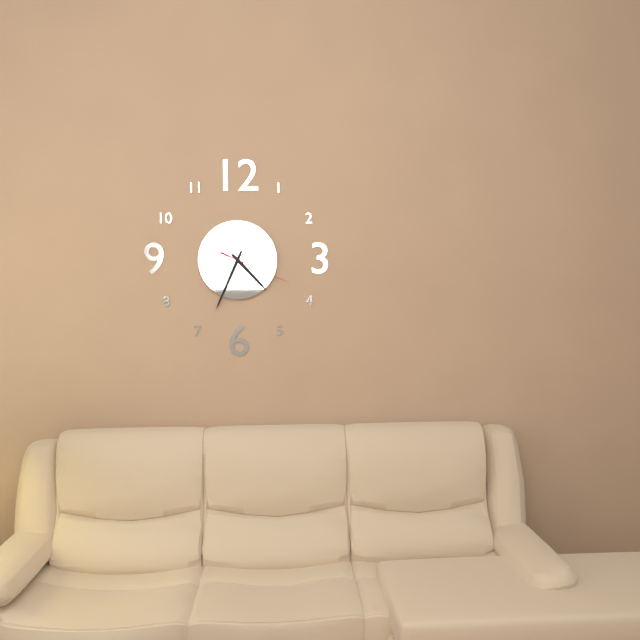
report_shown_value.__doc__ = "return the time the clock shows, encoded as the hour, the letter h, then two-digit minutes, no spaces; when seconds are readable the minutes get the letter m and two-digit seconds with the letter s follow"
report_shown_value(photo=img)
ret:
4h34m19s
